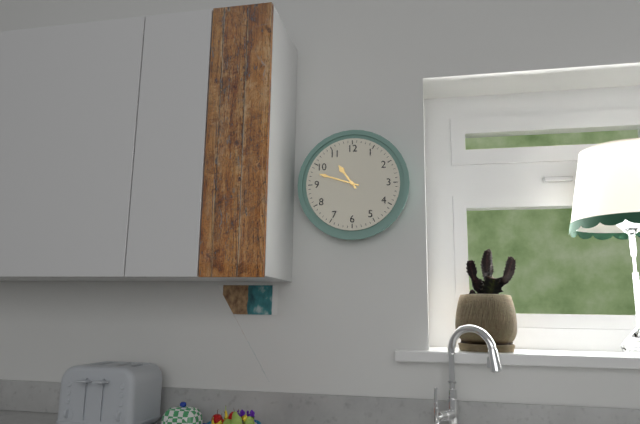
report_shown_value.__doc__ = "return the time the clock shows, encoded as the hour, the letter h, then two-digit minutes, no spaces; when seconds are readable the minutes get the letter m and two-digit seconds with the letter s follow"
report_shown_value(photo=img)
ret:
10h48
